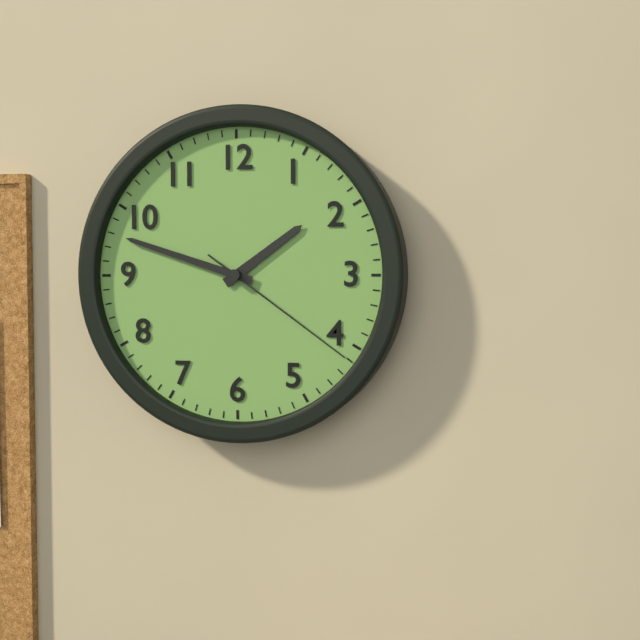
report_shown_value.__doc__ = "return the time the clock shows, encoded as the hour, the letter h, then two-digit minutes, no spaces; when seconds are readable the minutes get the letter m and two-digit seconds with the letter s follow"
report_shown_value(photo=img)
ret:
1h48m21s
